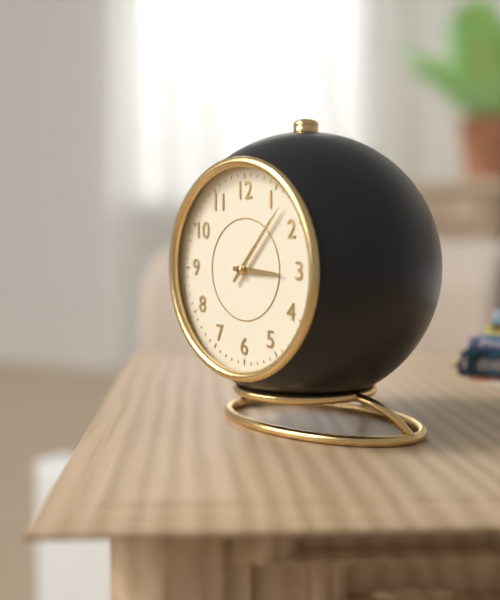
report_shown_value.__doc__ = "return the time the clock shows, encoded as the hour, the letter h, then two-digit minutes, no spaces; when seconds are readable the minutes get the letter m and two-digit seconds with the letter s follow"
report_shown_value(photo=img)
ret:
3h07
